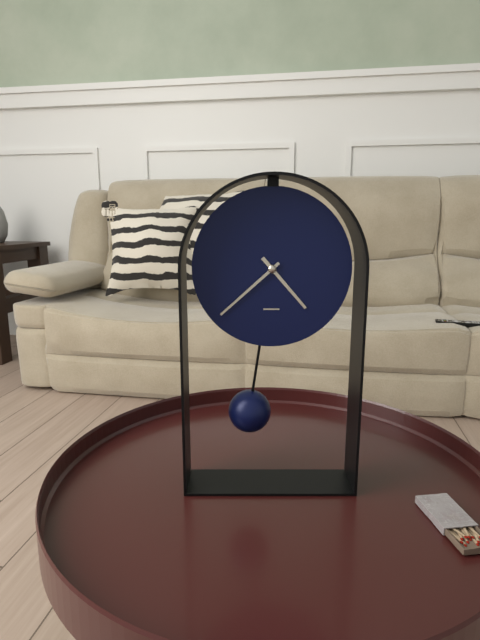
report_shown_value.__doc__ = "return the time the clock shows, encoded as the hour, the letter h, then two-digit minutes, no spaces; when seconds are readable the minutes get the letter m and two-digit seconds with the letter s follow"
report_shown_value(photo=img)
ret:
4h38
